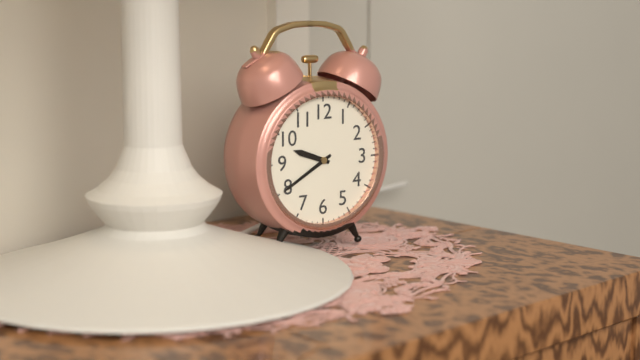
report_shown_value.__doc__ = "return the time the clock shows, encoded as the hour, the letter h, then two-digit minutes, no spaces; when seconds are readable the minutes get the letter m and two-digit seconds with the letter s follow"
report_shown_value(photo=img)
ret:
9h40
